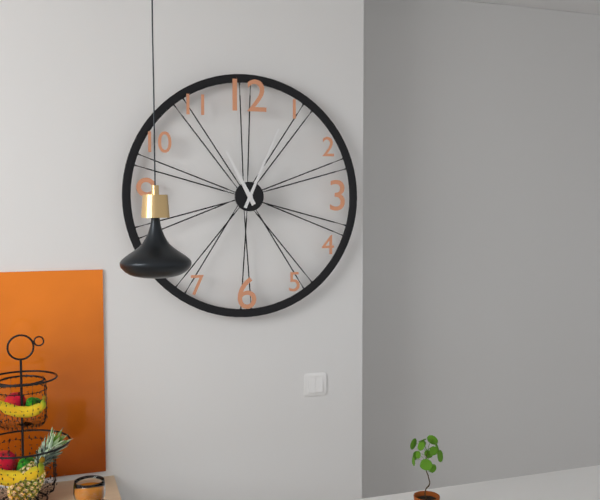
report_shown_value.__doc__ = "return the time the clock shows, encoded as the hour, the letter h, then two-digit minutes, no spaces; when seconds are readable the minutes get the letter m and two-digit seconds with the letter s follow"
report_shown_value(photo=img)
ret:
11h04
